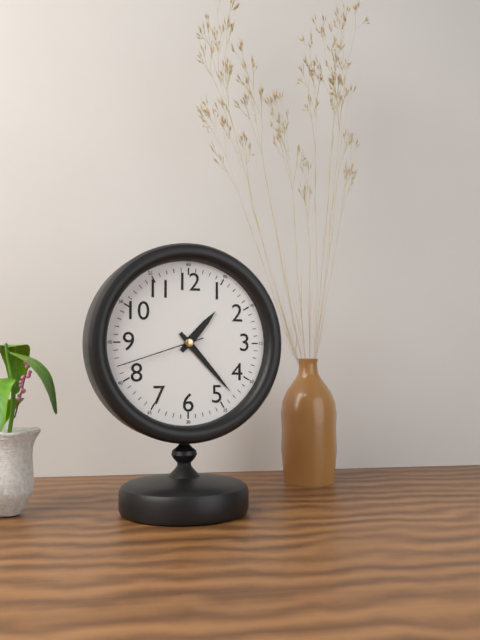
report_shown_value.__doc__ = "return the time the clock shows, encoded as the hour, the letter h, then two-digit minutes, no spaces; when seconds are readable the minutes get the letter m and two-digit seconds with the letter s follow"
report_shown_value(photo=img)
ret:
1h23m42s
